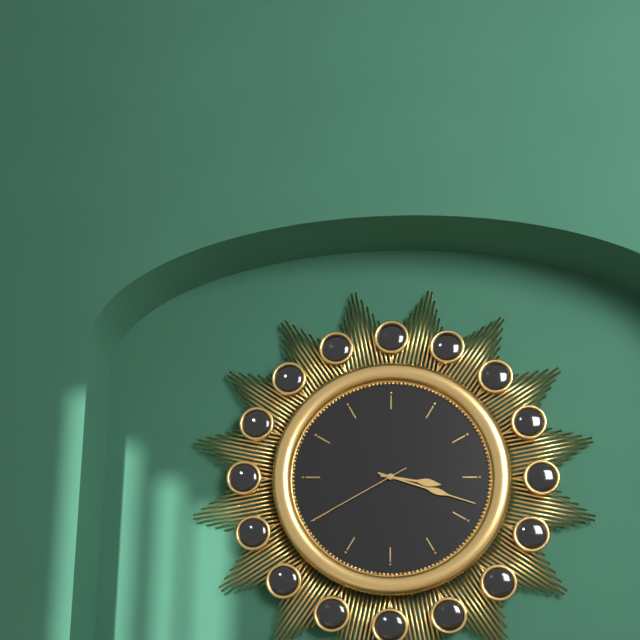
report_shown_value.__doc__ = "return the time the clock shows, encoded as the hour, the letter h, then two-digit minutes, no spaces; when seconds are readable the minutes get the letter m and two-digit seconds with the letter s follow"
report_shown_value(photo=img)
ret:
3h18m40s
